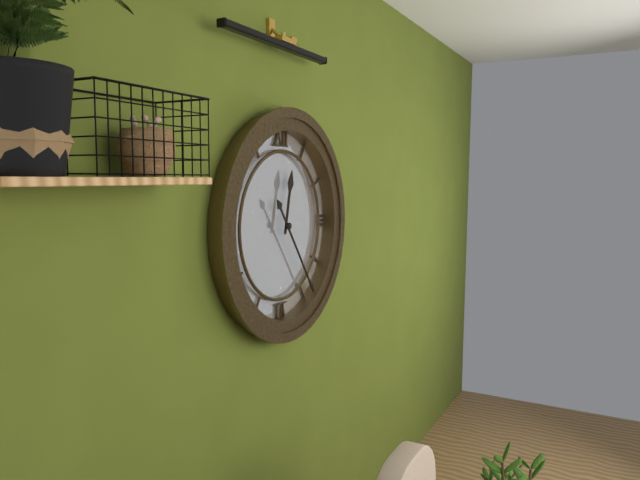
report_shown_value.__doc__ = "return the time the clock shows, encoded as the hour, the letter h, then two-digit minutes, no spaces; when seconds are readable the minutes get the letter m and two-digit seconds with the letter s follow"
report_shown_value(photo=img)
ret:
12h24
